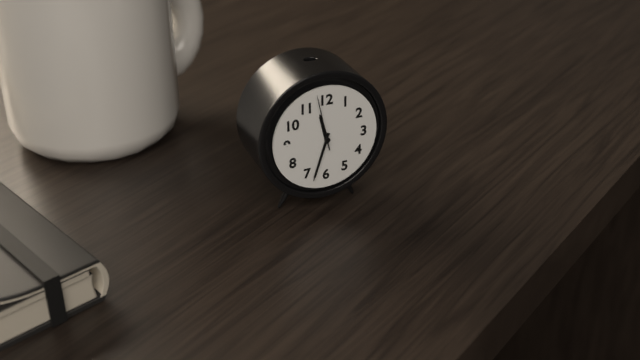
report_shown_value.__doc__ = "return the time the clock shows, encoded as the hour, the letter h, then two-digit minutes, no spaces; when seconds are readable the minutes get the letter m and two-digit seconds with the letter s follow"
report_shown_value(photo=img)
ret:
11h33m58s
